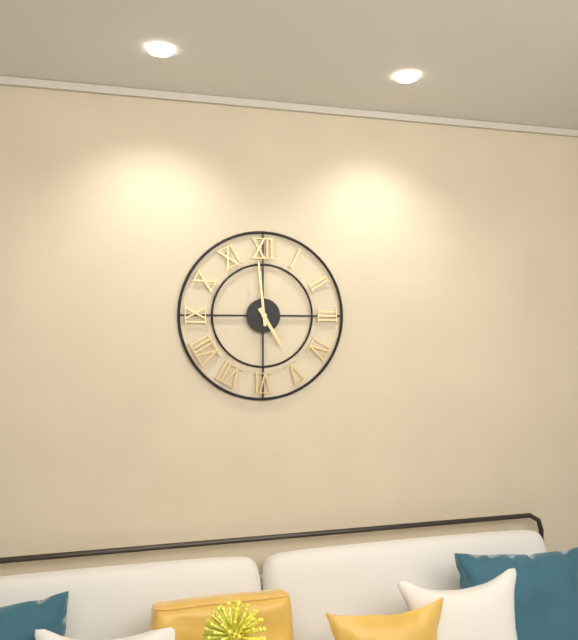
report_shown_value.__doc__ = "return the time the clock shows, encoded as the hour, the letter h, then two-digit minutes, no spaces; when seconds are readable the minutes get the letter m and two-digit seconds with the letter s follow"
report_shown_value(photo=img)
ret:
4h59
